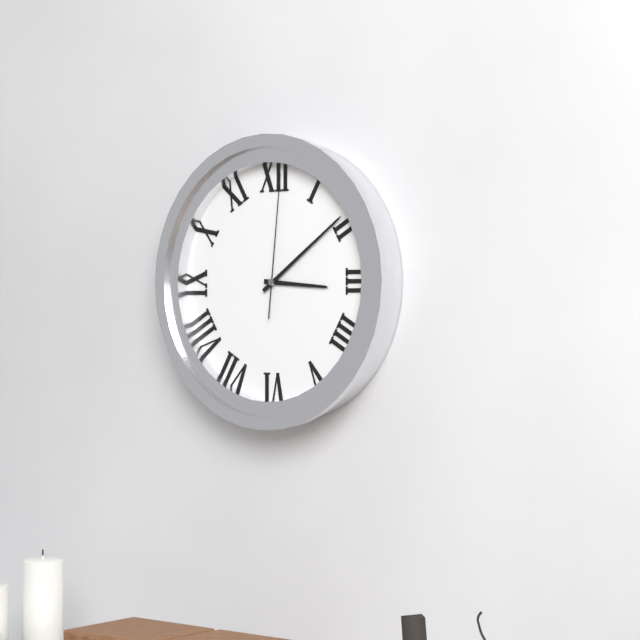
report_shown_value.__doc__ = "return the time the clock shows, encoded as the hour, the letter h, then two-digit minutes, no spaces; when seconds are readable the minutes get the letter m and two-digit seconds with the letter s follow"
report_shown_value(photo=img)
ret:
3h09m01s
